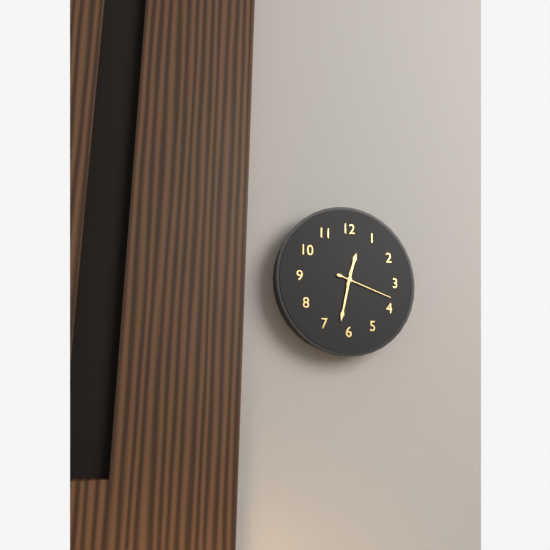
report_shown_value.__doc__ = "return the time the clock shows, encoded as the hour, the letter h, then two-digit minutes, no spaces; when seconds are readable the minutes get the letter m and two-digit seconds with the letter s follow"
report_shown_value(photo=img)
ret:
12h32m18s
